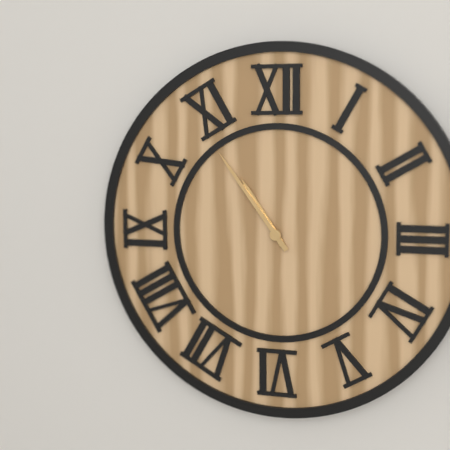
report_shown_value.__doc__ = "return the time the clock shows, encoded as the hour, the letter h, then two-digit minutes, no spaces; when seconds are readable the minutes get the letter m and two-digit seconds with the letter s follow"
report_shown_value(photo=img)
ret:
10h54
